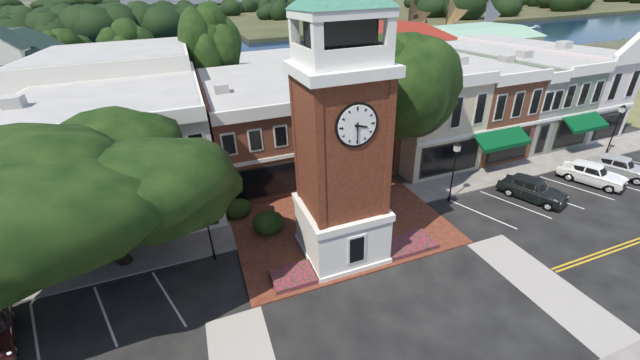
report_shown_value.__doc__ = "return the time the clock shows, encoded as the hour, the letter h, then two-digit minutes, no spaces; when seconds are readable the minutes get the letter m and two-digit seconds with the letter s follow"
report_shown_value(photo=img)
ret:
3h30
